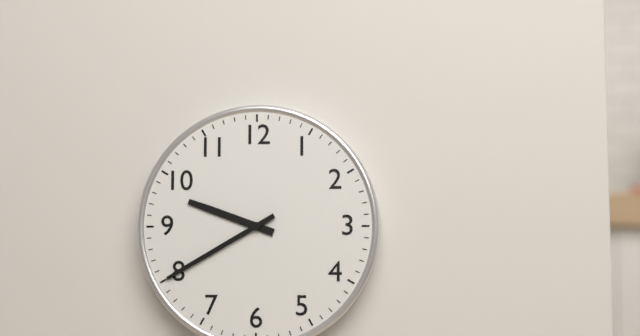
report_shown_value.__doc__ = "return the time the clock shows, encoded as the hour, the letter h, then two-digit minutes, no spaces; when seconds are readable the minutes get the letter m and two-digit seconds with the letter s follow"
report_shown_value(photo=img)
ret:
9h40
